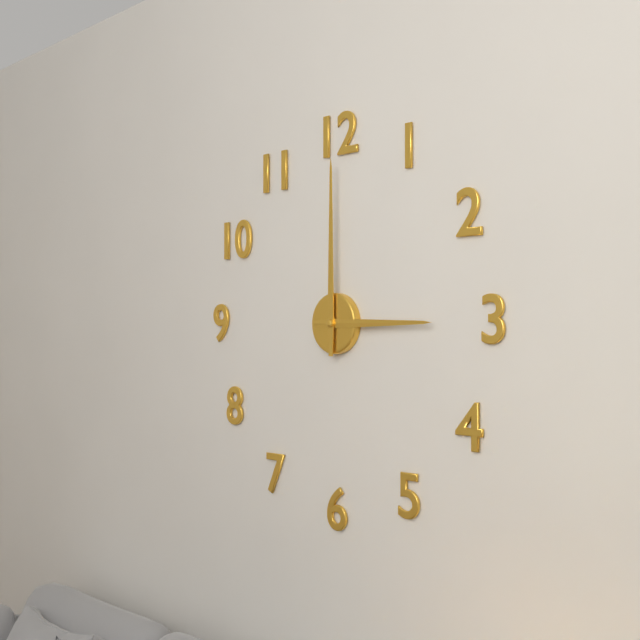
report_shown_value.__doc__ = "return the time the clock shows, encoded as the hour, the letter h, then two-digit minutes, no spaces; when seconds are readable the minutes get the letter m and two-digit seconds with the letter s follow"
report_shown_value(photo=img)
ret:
3h00
